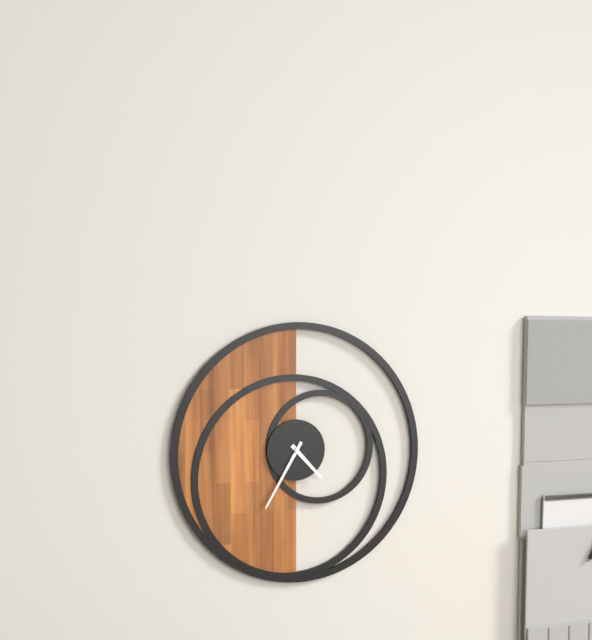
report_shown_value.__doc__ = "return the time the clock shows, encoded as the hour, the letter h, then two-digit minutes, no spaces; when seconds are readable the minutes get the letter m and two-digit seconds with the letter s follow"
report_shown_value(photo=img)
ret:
4h35
